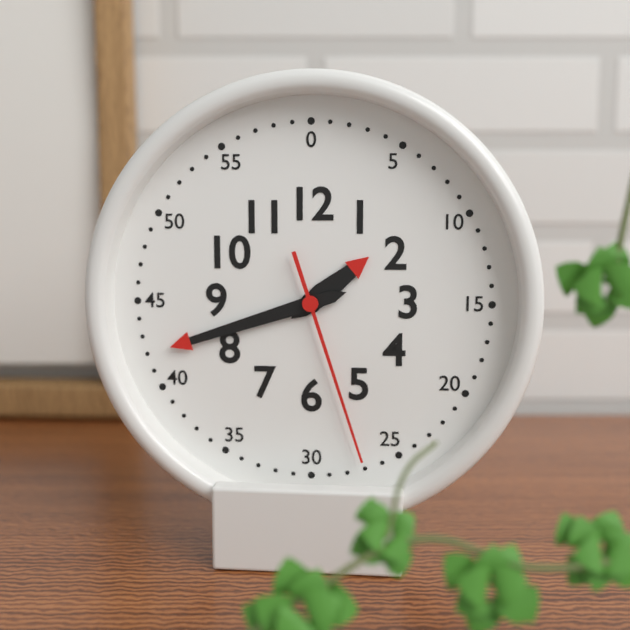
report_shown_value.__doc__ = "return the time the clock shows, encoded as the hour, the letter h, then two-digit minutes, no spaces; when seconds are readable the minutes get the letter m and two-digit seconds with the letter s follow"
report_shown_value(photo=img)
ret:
1h42m27s
